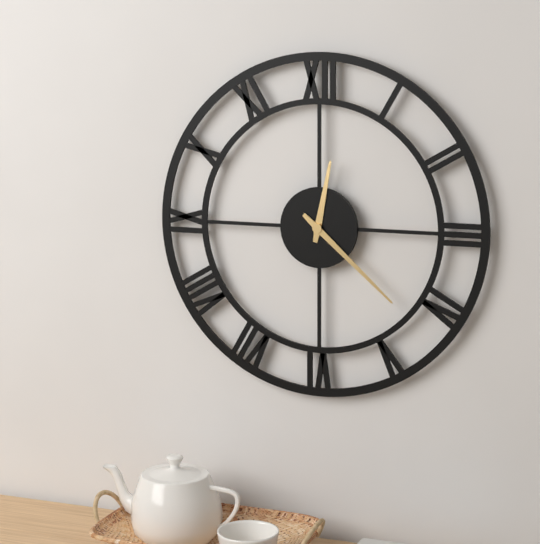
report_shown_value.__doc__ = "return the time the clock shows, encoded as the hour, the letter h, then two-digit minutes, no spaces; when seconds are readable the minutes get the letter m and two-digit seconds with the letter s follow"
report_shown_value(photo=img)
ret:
12h22
